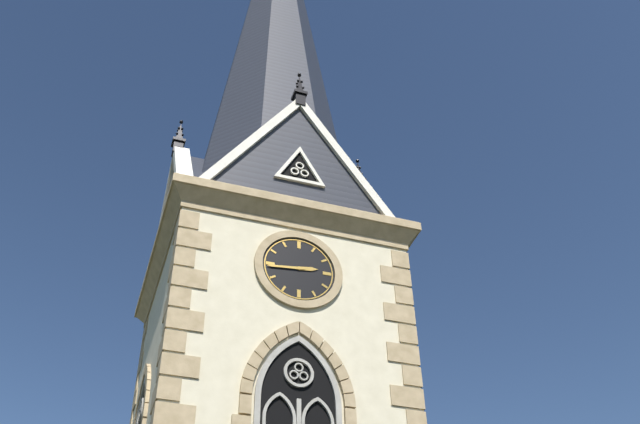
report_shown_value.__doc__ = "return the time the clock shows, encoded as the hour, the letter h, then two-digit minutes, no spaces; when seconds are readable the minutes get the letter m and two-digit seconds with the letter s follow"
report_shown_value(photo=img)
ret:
2h44
